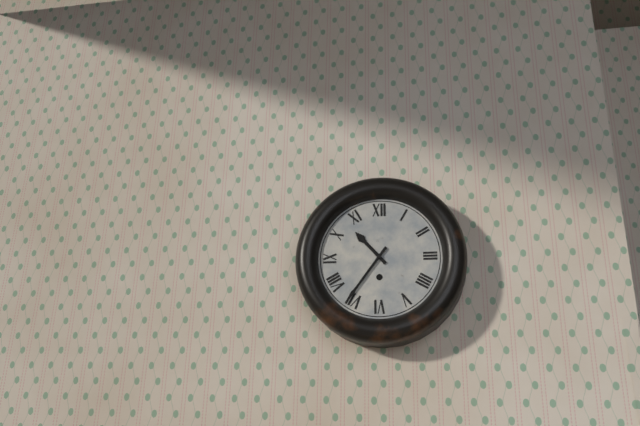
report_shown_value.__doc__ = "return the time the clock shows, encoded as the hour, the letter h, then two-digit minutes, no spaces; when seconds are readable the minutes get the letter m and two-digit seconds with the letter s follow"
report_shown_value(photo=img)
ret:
10h36
